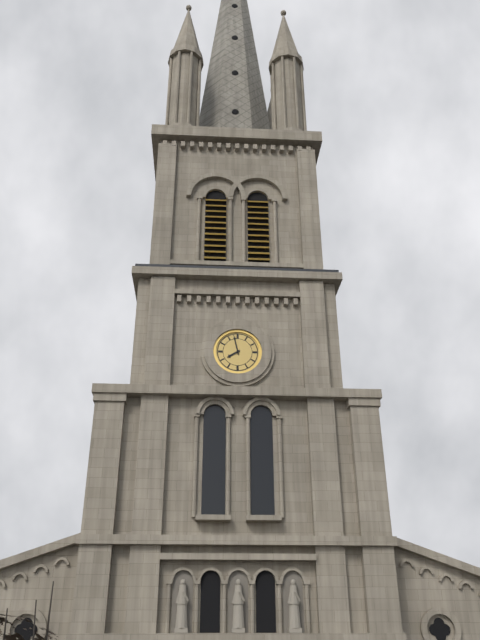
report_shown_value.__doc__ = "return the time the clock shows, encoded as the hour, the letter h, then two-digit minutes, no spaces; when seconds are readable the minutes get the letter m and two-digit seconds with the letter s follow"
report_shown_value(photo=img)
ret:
7h58
